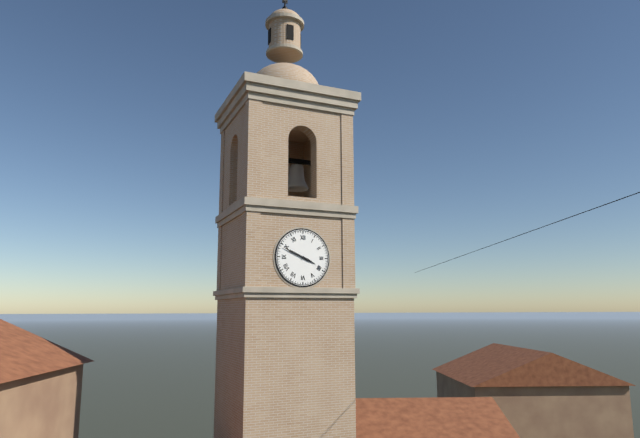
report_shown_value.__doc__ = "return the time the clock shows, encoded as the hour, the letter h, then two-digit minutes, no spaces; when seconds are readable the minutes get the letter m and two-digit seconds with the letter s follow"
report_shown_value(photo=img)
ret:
3h49
